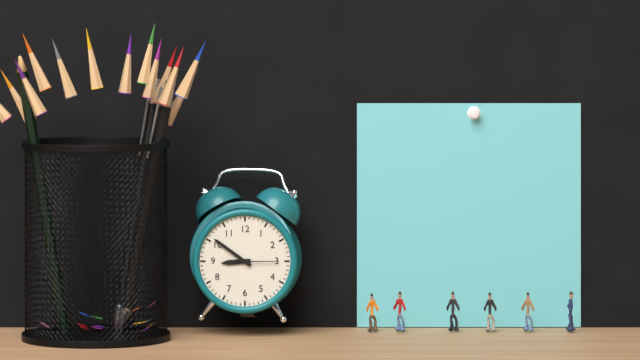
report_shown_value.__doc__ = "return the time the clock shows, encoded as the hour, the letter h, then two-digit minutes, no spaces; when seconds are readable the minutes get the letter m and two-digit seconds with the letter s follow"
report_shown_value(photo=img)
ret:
8h51
